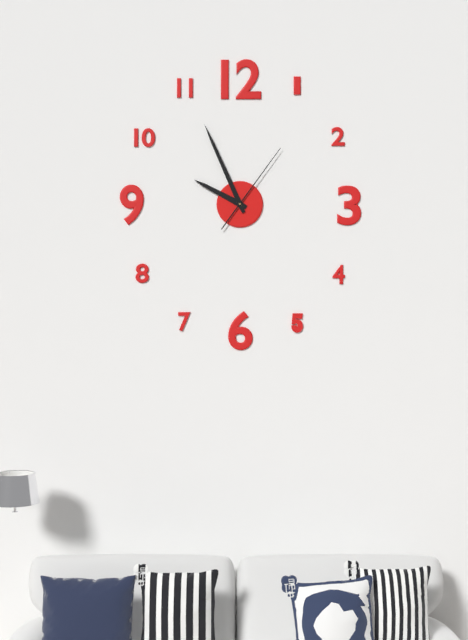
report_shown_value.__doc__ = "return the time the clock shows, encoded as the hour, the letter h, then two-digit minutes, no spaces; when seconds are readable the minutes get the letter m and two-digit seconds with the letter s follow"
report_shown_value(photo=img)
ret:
9h56m06s
